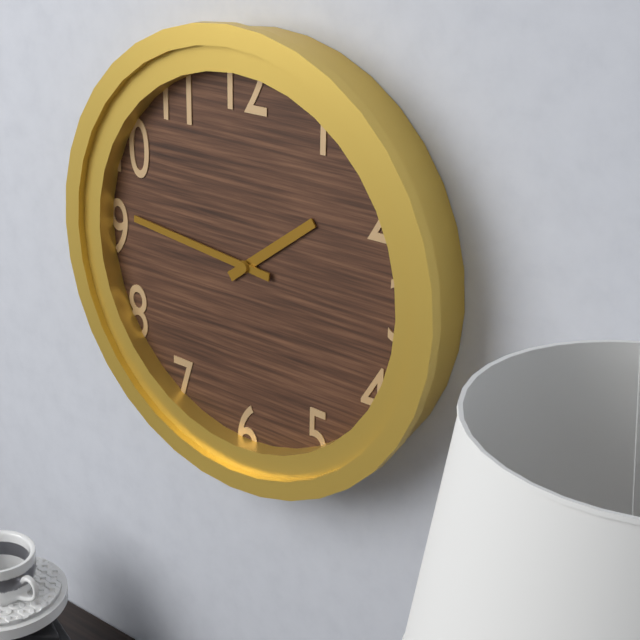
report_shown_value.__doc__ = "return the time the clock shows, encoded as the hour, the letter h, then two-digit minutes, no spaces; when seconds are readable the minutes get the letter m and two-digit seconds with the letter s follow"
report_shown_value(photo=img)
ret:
1h46
